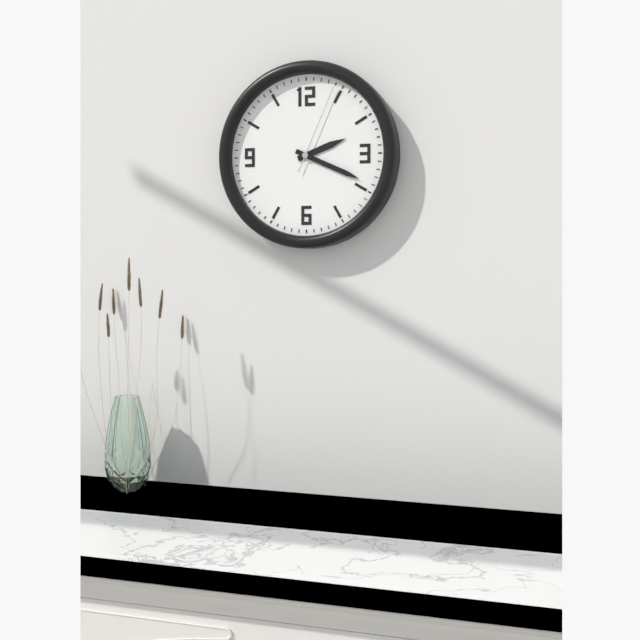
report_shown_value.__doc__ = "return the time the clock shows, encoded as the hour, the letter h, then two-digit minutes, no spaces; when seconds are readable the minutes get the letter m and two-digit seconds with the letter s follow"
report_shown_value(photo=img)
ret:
2h19m04s
